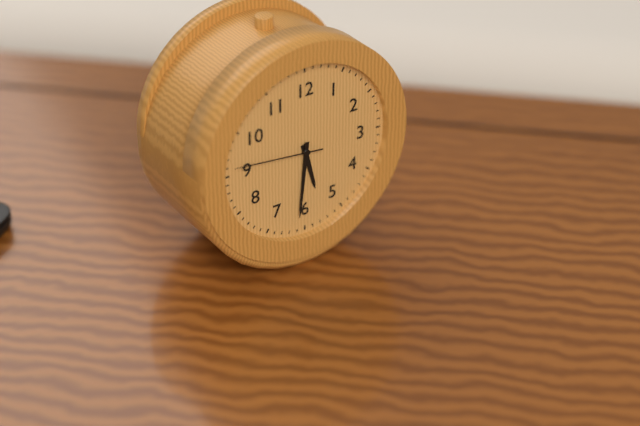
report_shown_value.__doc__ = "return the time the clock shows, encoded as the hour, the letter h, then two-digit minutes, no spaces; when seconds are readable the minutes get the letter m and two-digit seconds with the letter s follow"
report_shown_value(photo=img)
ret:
5h31m46s
